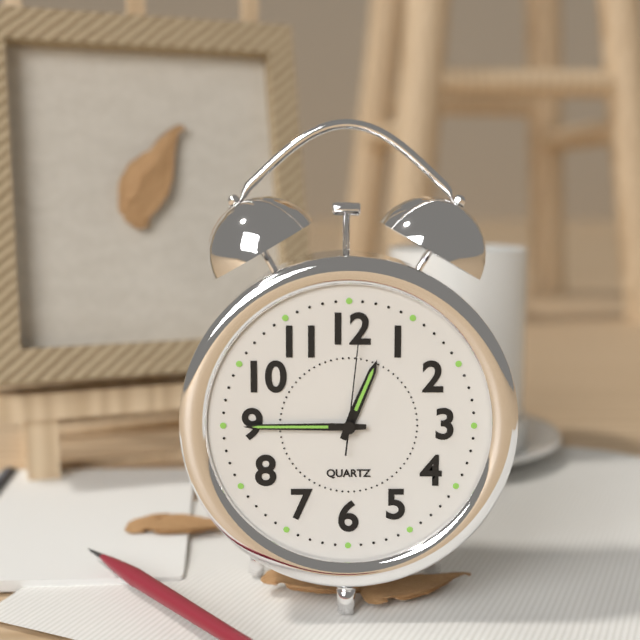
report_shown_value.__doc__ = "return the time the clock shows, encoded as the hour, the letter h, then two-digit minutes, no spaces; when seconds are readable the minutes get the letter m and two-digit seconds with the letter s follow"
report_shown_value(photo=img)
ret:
12h45m01s
